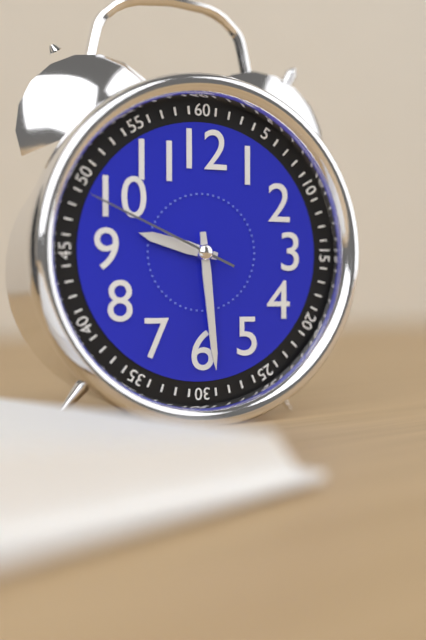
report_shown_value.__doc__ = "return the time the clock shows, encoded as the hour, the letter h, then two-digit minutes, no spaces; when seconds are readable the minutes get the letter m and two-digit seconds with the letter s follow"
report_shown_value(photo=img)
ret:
9h29m49s
